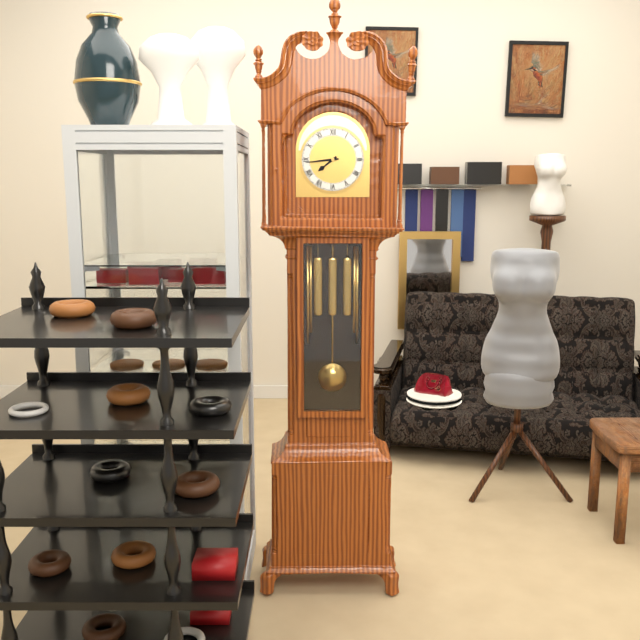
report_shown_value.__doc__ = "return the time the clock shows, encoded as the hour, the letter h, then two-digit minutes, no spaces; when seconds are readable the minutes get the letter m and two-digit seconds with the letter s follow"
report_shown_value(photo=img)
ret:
7h44
